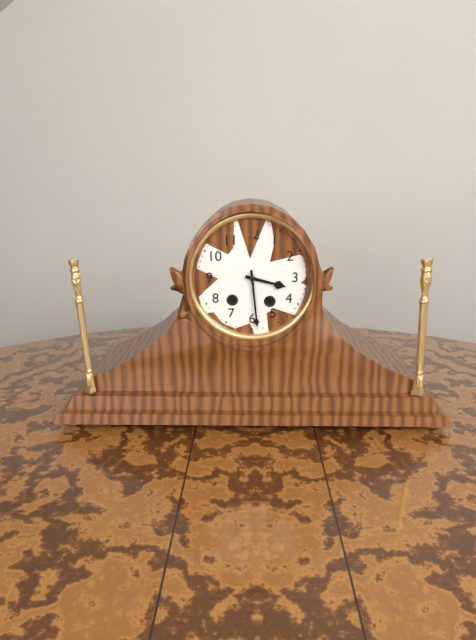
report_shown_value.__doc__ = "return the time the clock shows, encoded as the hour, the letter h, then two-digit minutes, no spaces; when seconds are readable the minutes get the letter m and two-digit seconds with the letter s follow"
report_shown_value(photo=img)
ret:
3h29
